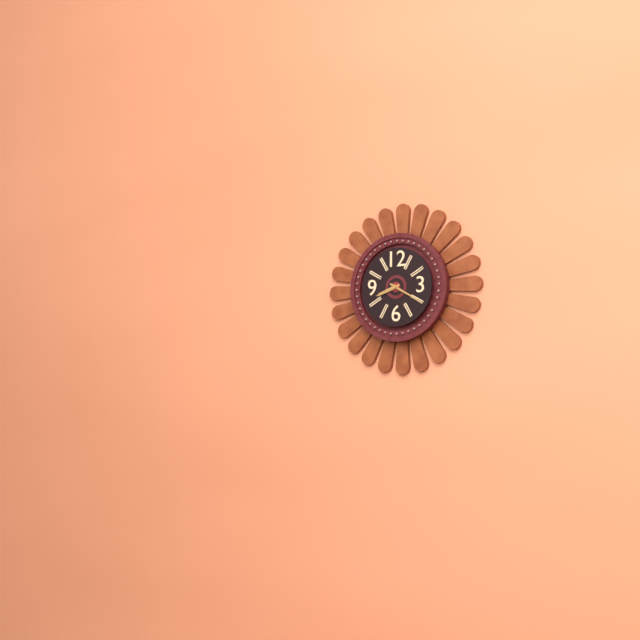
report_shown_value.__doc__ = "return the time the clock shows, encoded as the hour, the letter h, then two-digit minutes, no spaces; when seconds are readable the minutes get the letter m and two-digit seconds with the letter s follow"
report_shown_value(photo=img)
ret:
8h20
